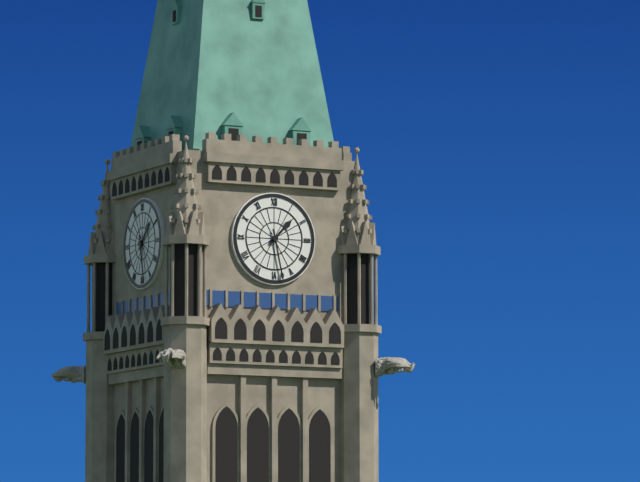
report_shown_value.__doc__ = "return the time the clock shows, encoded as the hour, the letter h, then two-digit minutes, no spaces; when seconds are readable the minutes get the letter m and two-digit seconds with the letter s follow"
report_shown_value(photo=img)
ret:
1h28
